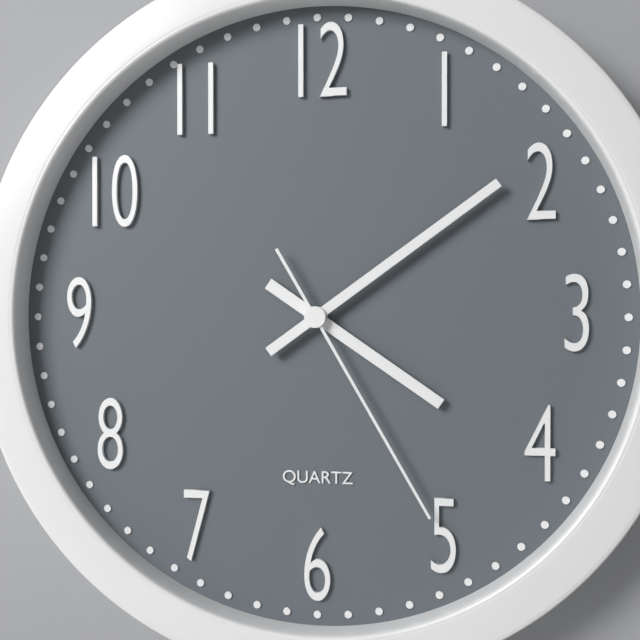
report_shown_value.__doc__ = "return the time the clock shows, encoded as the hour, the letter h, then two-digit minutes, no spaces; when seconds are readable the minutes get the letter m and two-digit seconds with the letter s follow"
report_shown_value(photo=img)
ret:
4h09m25s
